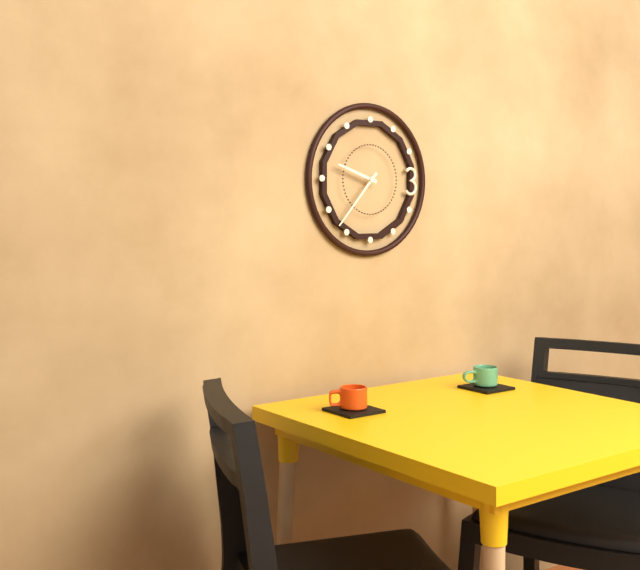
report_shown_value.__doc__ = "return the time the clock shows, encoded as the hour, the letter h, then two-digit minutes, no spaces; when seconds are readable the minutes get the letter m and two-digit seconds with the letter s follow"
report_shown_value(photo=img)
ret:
9h37
